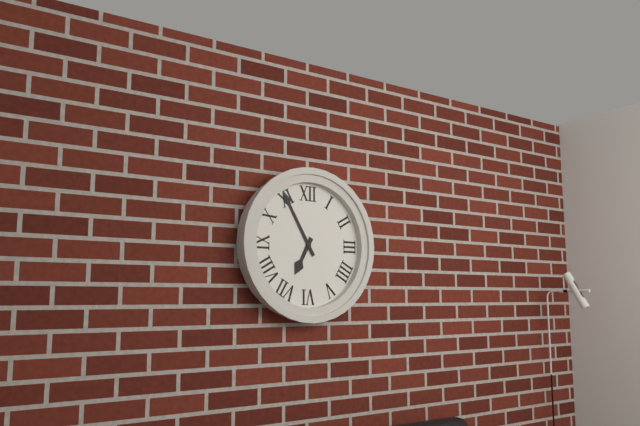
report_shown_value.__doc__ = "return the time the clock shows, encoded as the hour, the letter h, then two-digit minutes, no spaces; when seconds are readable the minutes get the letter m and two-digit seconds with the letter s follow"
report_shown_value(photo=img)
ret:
6h55
